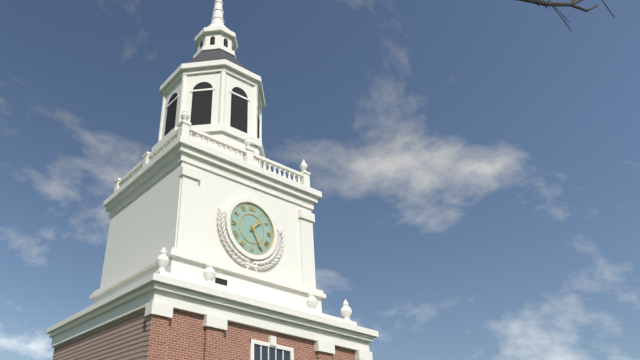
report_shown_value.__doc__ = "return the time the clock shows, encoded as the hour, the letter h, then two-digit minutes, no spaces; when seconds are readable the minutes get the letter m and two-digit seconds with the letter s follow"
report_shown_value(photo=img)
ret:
1h25
